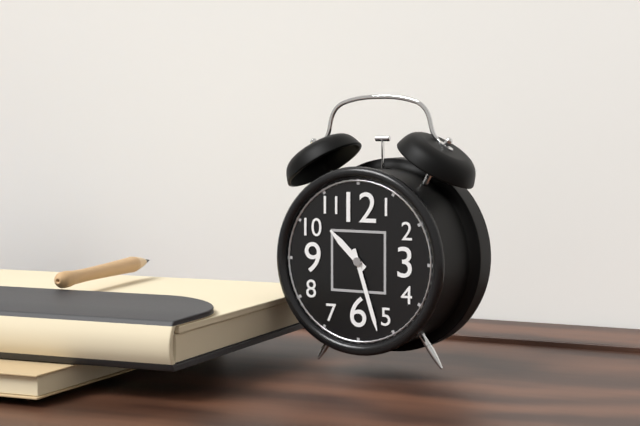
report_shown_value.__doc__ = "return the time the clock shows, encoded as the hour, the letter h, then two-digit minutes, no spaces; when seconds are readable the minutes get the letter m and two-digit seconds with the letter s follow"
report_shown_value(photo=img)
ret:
10h27
